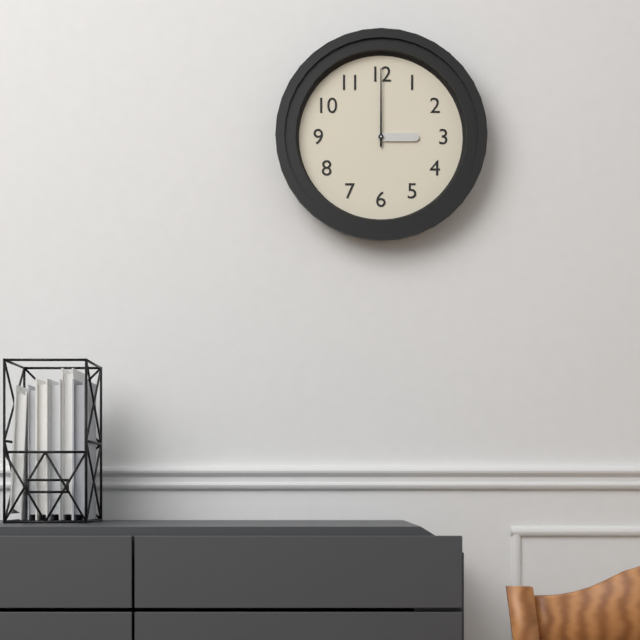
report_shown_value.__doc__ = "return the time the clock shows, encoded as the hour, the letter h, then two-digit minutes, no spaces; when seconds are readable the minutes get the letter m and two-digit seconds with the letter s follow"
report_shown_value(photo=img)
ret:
3h00
